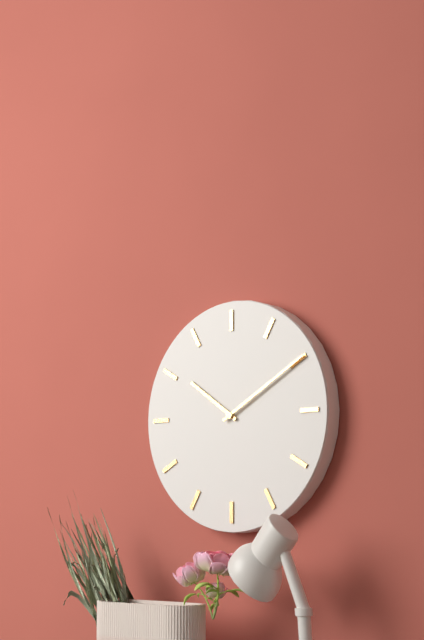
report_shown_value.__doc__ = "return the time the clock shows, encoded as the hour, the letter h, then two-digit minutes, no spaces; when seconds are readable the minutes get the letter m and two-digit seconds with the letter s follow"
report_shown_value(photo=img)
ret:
10h10
